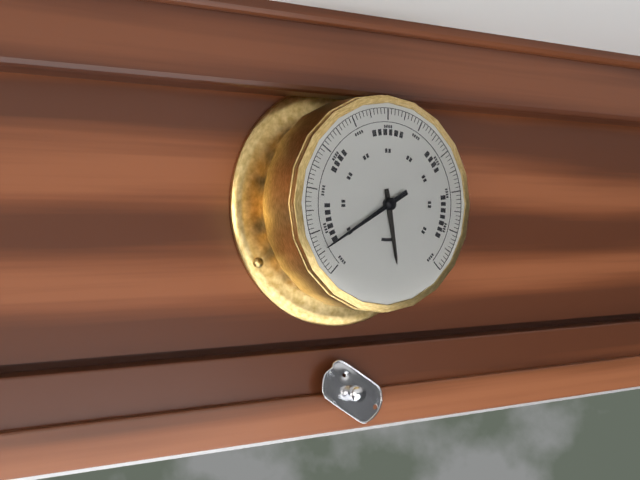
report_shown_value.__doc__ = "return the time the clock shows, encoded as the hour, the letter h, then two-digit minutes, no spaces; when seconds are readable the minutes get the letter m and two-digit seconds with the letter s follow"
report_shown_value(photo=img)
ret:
5h40
